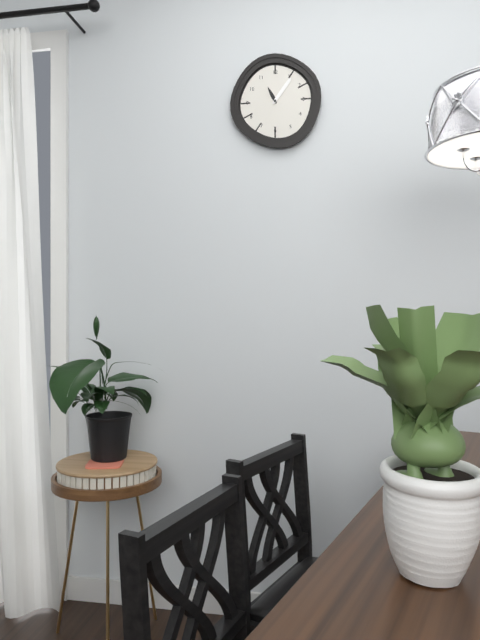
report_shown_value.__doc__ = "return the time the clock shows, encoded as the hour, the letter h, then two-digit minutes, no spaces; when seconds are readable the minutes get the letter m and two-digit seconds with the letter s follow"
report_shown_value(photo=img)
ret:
11h06
